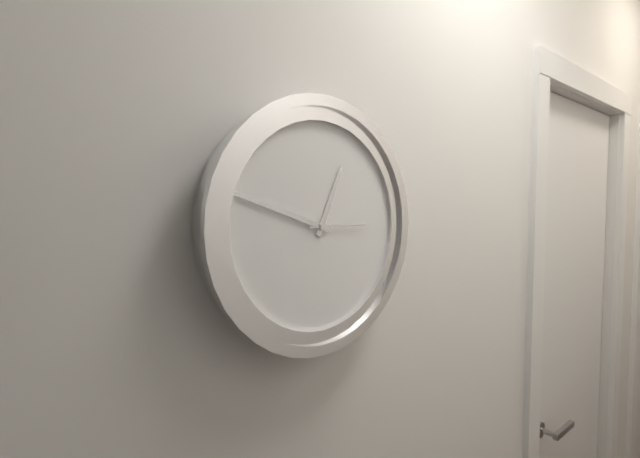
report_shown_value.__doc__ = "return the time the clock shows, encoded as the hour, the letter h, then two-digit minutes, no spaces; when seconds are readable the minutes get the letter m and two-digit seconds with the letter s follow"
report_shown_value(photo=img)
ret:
12h48m15s
